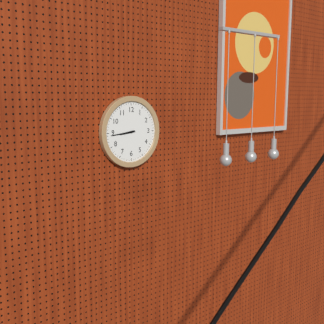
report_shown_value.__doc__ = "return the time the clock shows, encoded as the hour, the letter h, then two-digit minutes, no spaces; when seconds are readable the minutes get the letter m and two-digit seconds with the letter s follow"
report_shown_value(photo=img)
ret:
8h44
